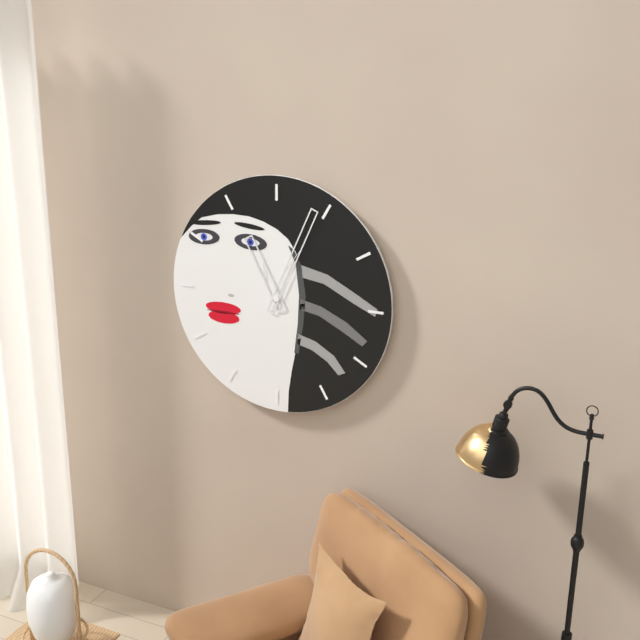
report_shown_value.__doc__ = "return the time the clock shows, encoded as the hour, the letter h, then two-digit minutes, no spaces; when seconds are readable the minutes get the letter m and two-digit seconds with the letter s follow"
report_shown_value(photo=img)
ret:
11h04
